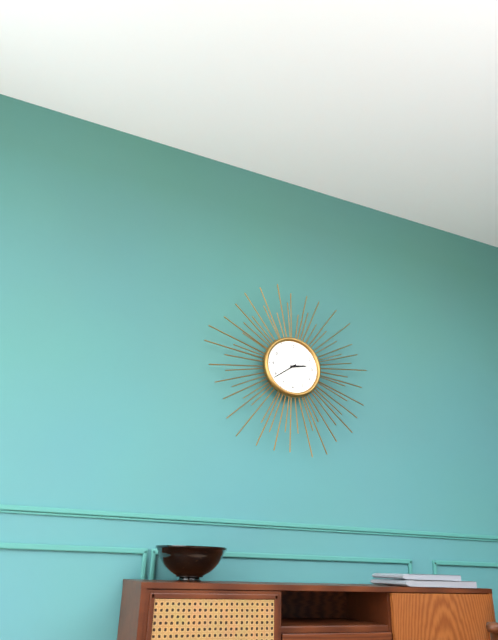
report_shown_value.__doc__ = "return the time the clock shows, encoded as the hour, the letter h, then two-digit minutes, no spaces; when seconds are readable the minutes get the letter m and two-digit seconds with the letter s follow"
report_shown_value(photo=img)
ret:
2h39
